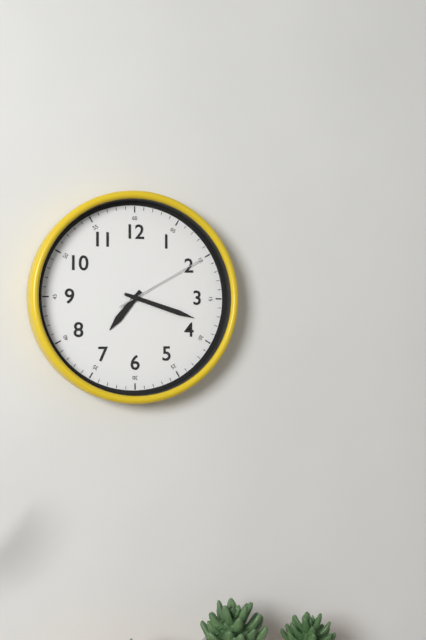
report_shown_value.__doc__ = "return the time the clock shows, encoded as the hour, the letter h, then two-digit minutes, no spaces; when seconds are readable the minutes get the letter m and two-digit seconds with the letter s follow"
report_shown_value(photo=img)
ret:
7h18m10s
